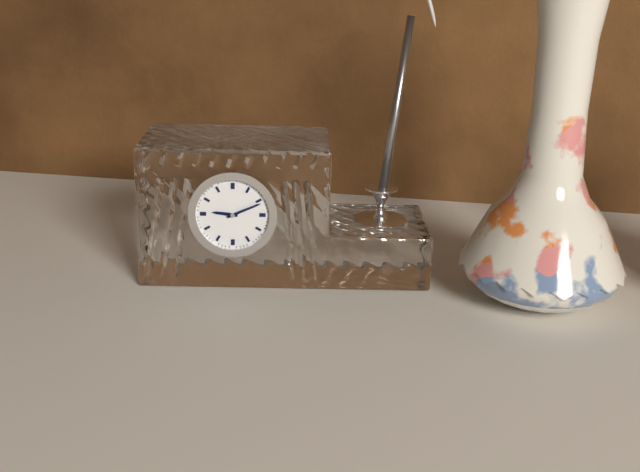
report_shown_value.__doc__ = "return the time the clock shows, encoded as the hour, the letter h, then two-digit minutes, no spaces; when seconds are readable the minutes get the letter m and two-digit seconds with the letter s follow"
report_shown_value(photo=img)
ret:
9h11
